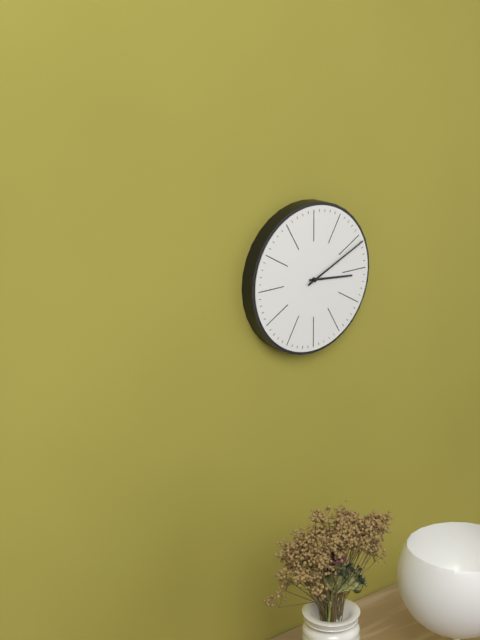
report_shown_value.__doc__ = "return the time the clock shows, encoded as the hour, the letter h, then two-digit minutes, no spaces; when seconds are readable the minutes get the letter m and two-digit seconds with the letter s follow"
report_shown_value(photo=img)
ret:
3h11
